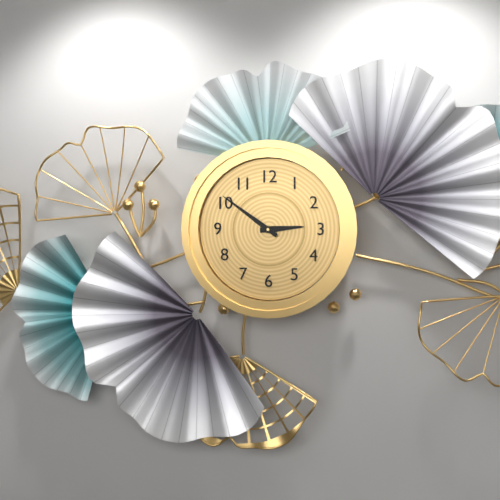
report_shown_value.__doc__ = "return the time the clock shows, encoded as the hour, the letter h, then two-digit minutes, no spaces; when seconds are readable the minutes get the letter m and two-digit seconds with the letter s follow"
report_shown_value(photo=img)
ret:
2h51
